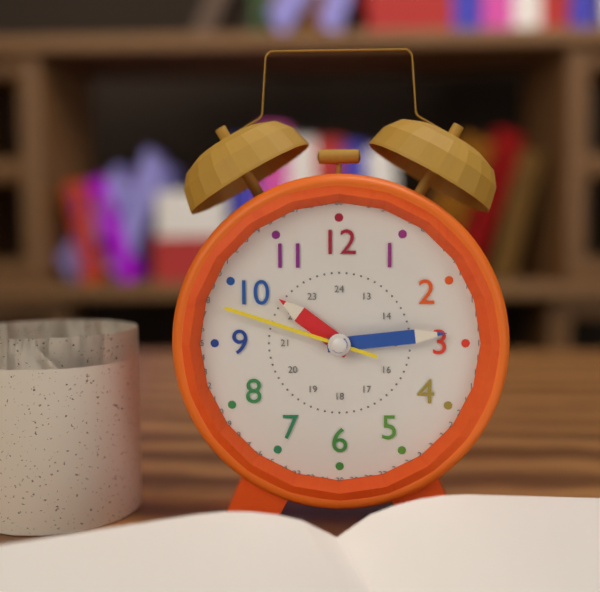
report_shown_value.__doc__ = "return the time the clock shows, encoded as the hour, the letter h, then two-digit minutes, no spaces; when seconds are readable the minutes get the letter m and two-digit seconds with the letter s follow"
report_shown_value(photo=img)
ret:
10h14m48s
